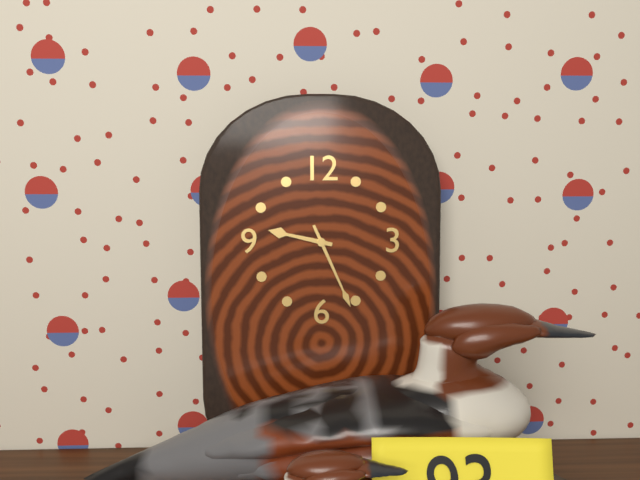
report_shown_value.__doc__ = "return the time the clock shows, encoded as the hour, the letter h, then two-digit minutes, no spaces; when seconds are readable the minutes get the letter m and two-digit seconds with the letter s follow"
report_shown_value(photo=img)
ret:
9h26
